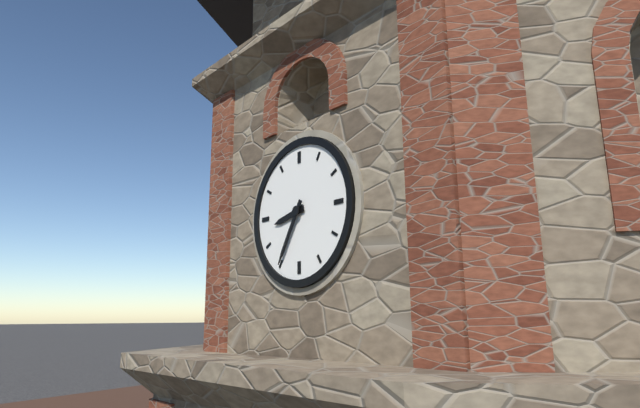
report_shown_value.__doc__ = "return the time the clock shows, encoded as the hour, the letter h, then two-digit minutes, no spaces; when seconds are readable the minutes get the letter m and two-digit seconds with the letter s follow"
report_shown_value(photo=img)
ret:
8h35
